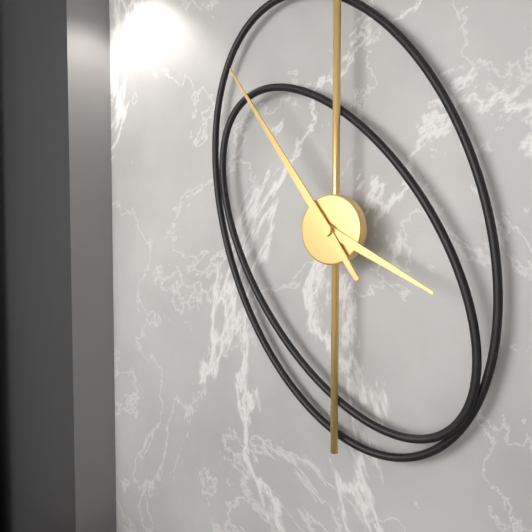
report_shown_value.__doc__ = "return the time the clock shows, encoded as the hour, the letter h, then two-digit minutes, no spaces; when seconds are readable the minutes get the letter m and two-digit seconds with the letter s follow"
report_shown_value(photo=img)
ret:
3h54
